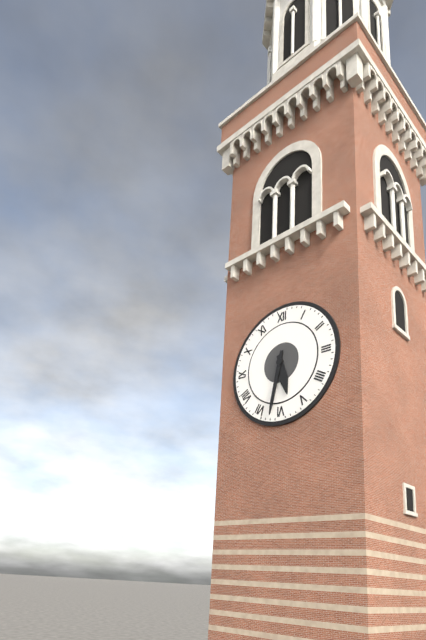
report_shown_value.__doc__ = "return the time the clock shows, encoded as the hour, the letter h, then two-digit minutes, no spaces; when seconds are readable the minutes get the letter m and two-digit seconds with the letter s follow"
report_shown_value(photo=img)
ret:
5h32
